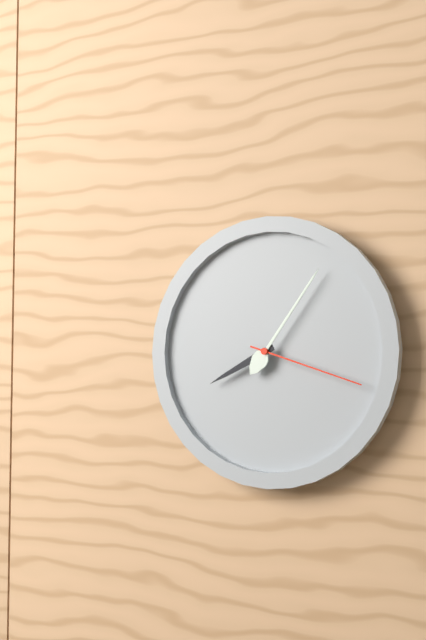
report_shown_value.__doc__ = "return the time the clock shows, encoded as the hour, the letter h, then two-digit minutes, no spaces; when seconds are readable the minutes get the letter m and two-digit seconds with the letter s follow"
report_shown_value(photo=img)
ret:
8h06m18s
